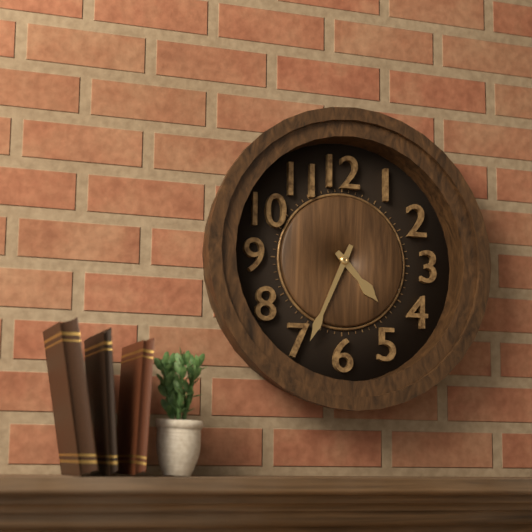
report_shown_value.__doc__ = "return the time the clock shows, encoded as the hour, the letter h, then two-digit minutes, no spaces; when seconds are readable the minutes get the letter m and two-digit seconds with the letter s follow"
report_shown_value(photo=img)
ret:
4h34
